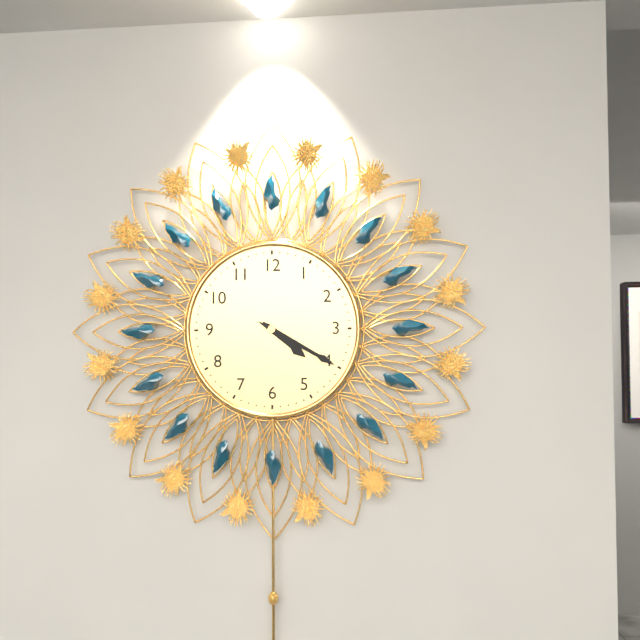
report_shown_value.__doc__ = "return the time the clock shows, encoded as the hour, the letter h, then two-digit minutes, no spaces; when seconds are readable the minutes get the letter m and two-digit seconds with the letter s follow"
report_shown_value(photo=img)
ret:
4h20
